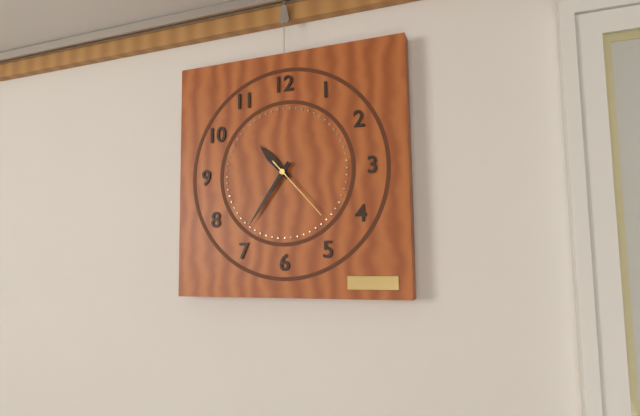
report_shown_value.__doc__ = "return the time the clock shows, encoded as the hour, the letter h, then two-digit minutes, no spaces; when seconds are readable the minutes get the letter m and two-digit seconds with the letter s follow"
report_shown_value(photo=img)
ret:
10h36m23s
